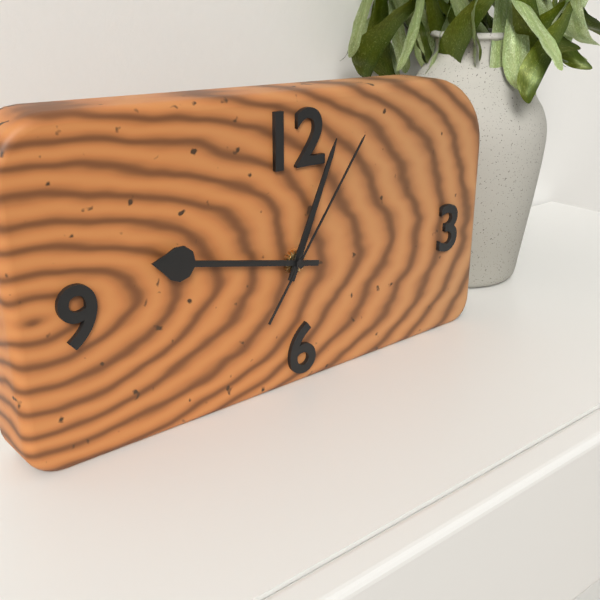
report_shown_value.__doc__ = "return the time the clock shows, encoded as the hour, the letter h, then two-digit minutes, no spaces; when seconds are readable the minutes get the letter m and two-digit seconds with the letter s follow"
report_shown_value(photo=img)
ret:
12h47m06s
